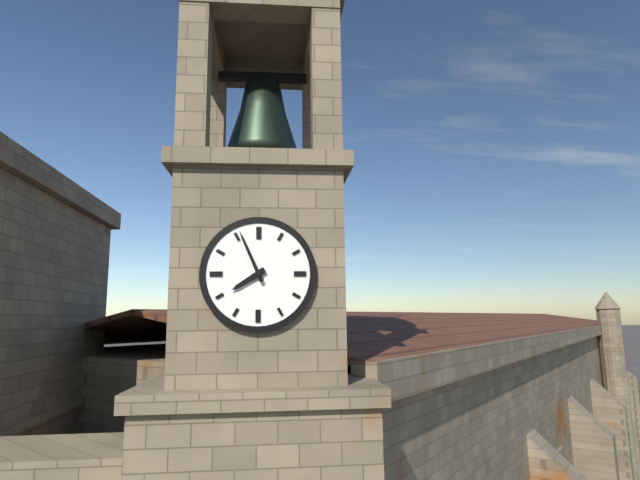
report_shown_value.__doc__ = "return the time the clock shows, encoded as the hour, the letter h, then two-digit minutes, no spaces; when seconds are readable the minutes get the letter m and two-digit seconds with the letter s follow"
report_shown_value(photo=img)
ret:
7h56
